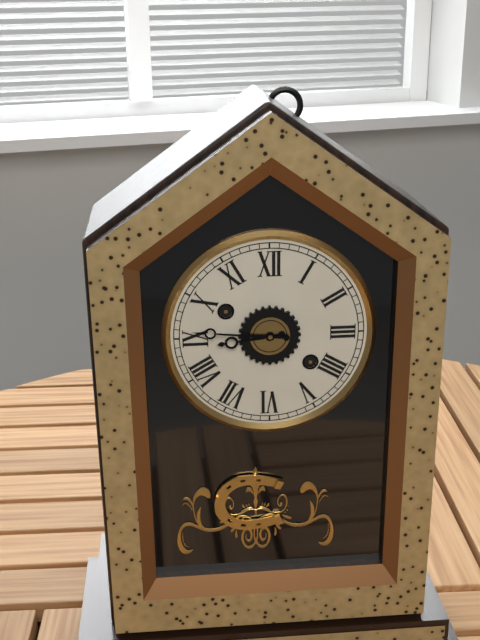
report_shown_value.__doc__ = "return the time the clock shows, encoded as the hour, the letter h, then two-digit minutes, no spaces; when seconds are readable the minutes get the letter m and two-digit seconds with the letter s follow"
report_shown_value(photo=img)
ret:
8h46
